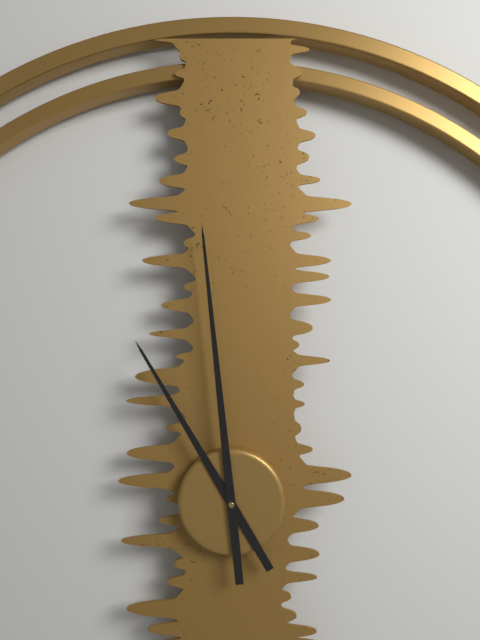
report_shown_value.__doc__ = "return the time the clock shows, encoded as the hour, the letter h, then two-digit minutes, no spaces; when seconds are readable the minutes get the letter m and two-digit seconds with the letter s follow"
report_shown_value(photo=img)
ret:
10h59
